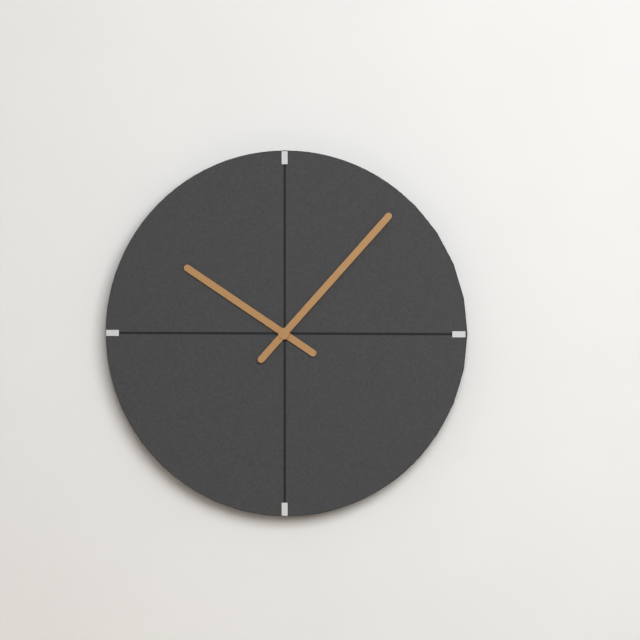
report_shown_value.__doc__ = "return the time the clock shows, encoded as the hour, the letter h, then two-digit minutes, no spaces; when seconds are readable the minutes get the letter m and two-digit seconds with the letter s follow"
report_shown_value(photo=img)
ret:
10h07
